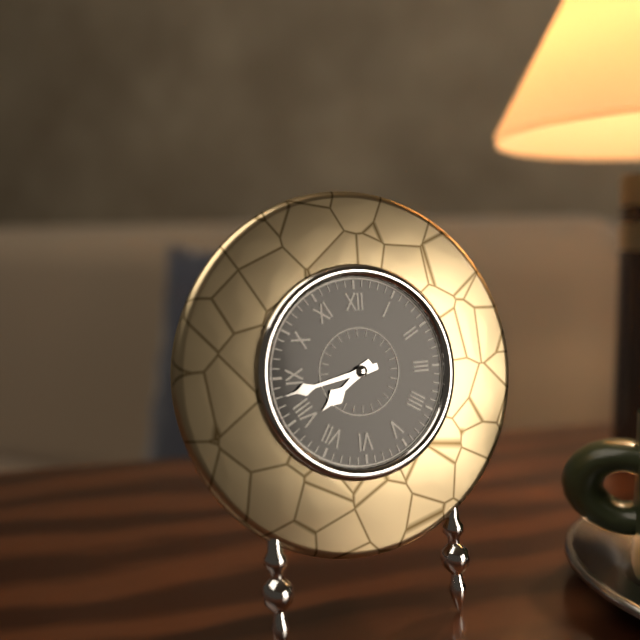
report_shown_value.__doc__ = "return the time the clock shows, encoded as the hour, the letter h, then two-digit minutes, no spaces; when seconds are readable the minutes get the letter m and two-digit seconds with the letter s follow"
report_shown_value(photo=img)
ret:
7h43
